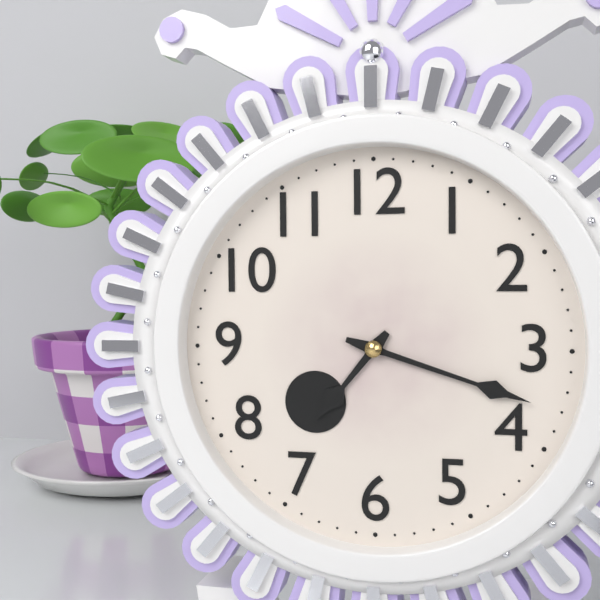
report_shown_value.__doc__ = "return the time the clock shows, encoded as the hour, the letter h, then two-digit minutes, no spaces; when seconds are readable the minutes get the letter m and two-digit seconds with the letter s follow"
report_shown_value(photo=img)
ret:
7h18
